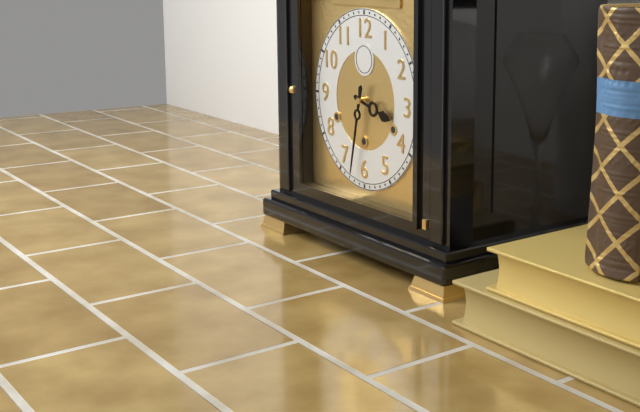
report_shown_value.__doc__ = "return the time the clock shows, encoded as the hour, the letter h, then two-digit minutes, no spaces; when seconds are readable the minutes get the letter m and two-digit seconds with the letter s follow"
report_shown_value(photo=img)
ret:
3h32
